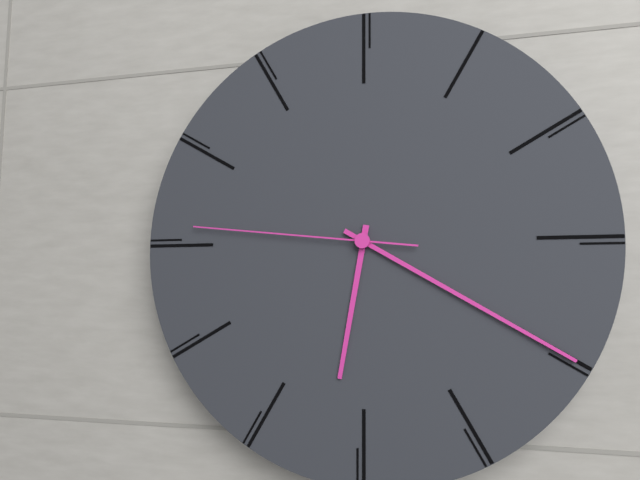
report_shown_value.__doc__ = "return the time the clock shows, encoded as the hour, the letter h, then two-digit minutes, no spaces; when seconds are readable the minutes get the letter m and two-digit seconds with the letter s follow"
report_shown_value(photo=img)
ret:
6h20m46s
